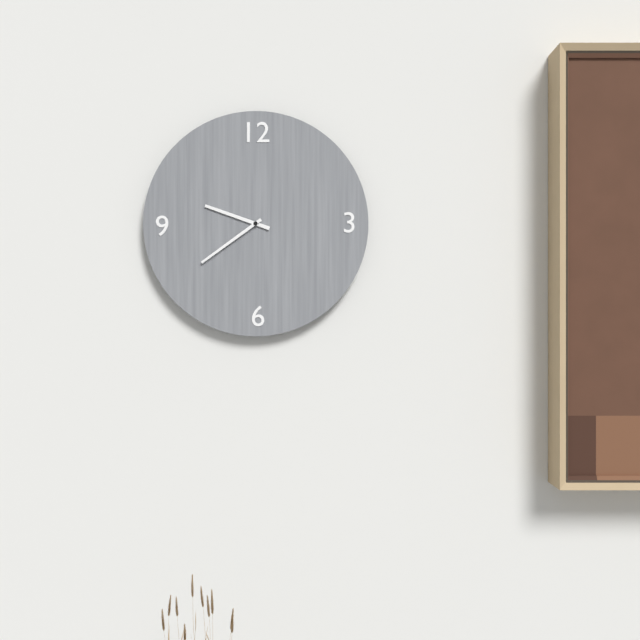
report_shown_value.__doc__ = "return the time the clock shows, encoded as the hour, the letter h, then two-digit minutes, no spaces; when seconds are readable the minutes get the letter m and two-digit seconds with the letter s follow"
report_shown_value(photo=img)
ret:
9h39
